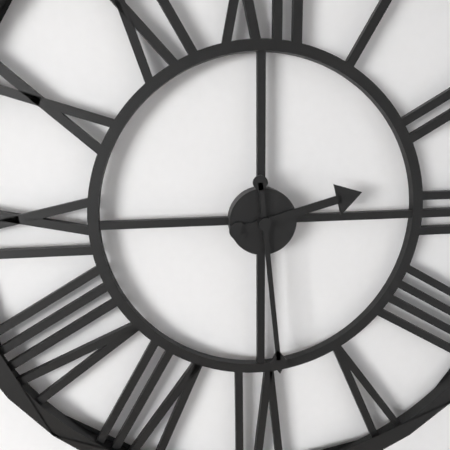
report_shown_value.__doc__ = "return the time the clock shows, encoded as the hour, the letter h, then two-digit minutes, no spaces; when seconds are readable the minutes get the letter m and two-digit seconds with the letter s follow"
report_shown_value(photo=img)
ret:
2h29
